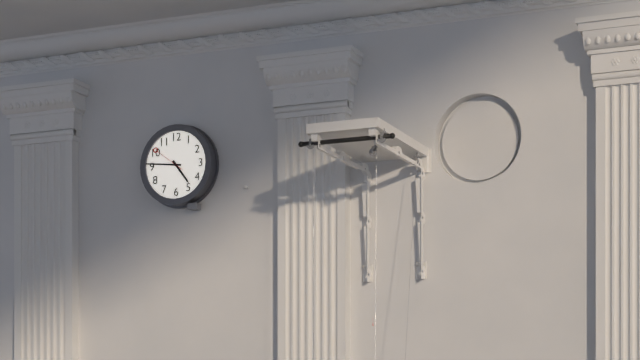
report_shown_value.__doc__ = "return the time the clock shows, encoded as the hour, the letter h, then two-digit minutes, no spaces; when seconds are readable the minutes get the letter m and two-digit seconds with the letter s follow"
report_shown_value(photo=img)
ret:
4h46
